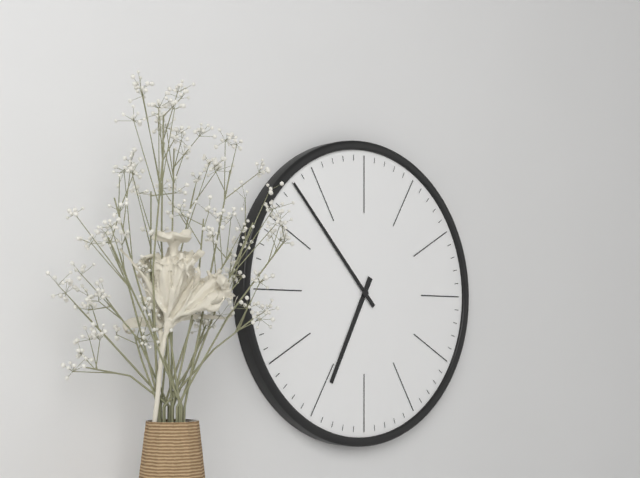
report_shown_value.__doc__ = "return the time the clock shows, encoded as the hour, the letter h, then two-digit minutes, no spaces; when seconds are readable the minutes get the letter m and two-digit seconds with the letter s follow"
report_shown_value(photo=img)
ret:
6h53
